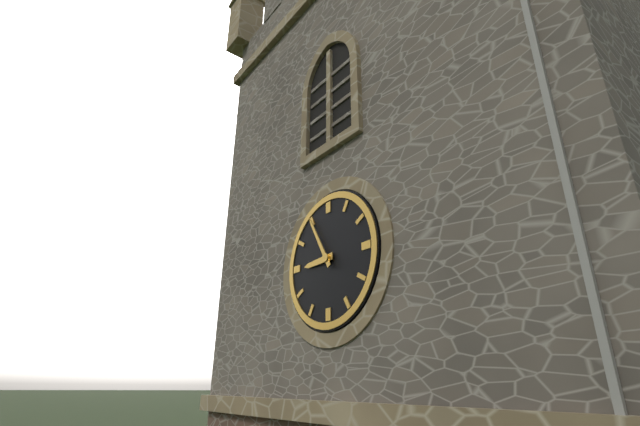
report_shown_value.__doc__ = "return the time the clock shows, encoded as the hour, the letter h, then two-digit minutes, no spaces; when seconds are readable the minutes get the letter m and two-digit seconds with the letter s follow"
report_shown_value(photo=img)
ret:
8h55
